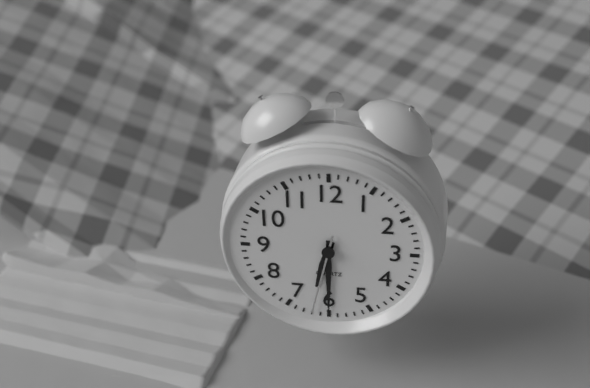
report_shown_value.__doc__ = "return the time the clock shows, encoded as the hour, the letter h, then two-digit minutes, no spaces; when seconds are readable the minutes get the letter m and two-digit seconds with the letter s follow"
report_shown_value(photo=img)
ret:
6h30m32s
